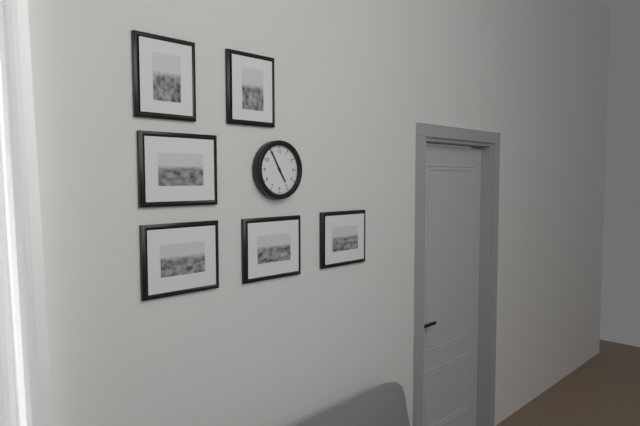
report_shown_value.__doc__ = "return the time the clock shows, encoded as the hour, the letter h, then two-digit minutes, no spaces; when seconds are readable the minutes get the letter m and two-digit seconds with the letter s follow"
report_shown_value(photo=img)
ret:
4h55
